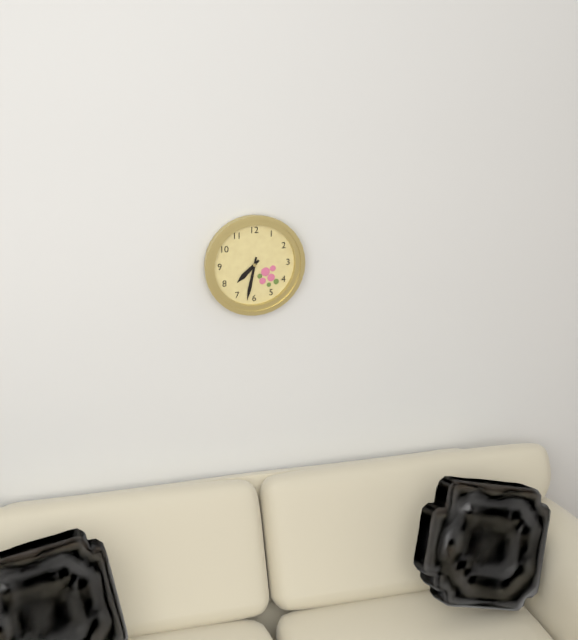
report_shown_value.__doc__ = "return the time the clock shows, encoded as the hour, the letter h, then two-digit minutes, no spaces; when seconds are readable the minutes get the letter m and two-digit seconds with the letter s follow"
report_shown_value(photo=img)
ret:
7h32
